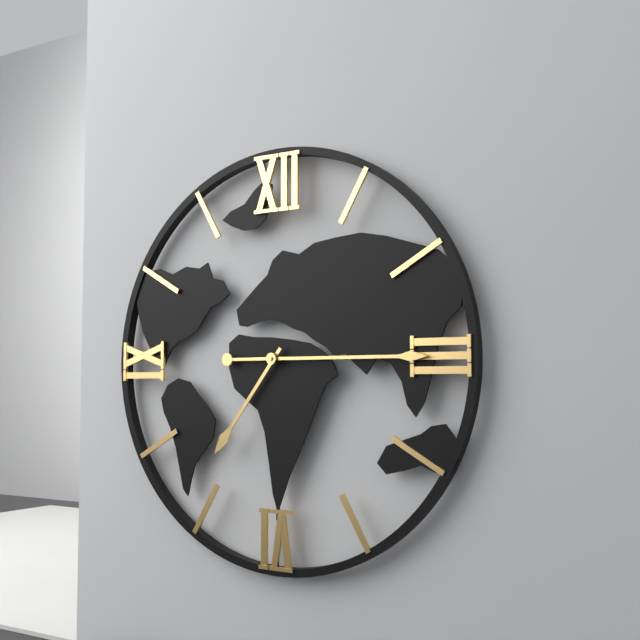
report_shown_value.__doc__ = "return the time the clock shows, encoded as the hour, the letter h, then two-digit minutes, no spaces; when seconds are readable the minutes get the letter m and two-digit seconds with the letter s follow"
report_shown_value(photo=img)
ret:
7h15
